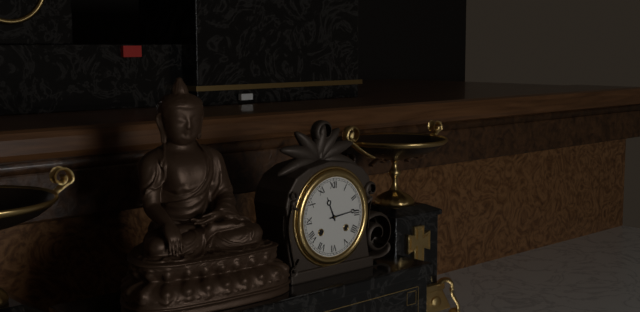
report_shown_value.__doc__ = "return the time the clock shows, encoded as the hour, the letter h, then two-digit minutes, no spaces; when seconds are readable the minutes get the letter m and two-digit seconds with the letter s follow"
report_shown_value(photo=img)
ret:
11h14
